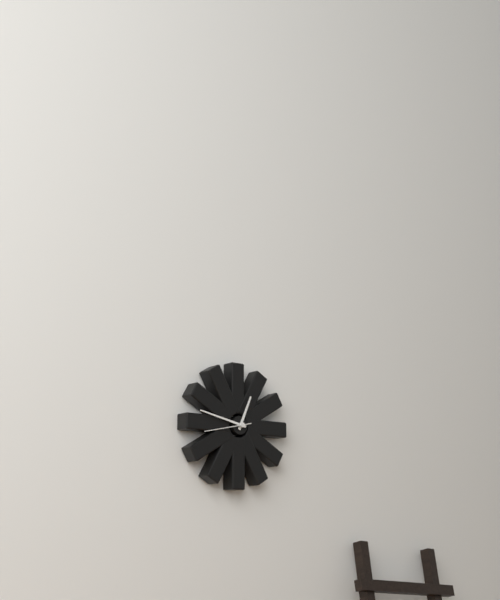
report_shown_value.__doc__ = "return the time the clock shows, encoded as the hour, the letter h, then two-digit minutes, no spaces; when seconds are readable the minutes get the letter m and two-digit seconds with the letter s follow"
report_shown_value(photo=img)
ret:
12h47
